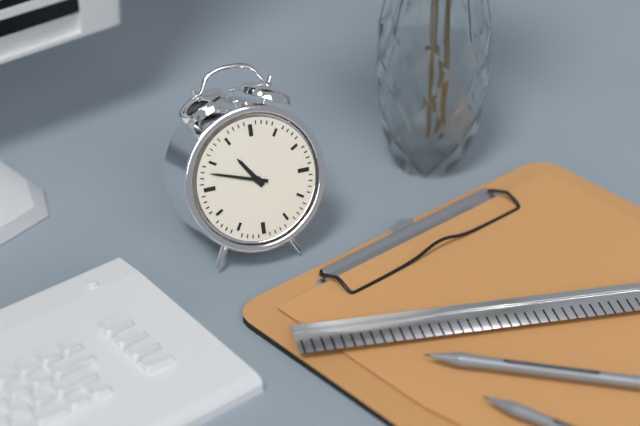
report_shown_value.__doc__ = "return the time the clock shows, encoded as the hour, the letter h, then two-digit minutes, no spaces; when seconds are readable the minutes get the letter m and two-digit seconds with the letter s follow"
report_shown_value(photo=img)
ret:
10h48
